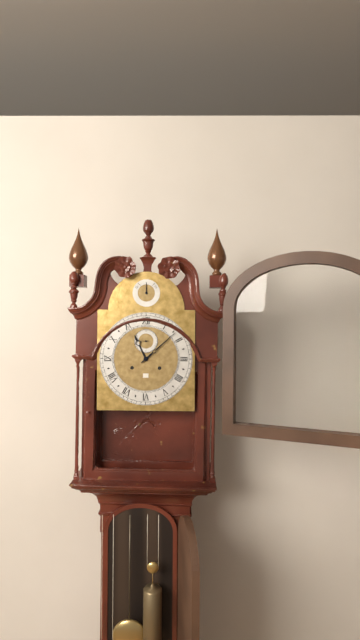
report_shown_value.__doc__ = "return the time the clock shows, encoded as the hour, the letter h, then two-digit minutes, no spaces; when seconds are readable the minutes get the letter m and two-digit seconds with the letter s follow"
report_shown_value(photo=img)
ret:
11h08
